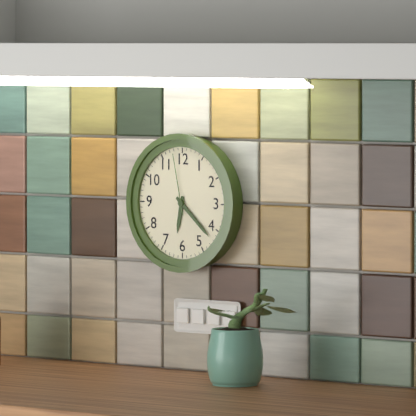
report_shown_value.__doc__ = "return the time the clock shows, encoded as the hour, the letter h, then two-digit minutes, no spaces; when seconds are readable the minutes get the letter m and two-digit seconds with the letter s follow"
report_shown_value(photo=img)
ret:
6h22m58s
